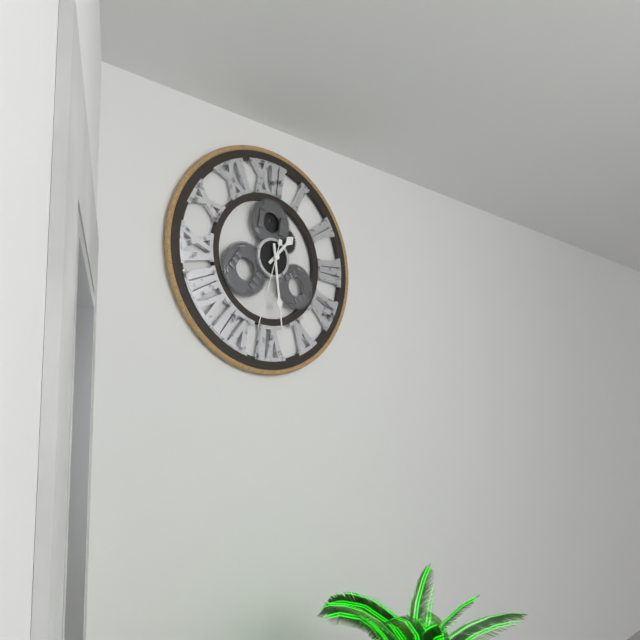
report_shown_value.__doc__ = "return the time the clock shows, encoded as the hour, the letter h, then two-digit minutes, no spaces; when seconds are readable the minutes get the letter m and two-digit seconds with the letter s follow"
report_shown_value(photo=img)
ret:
1h29m33s
